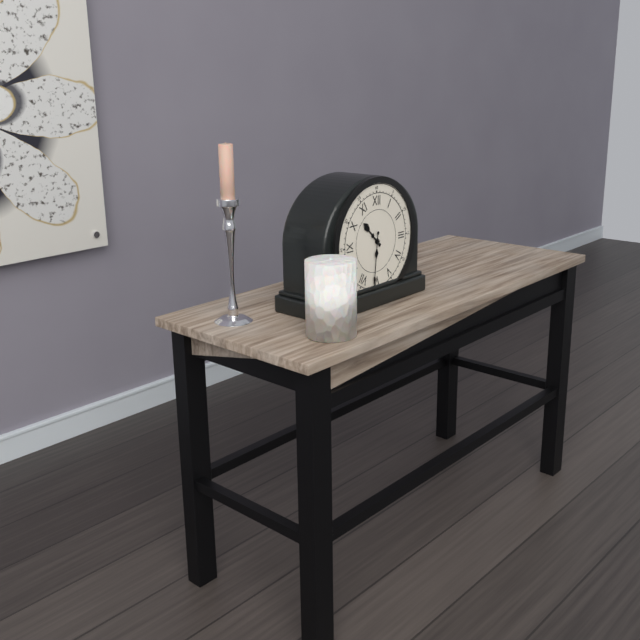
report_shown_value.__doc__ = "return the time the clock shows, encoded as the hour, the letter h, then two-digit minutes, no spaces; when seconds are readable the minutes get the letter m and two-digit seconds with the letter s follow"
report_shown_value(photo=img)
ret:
10h31
